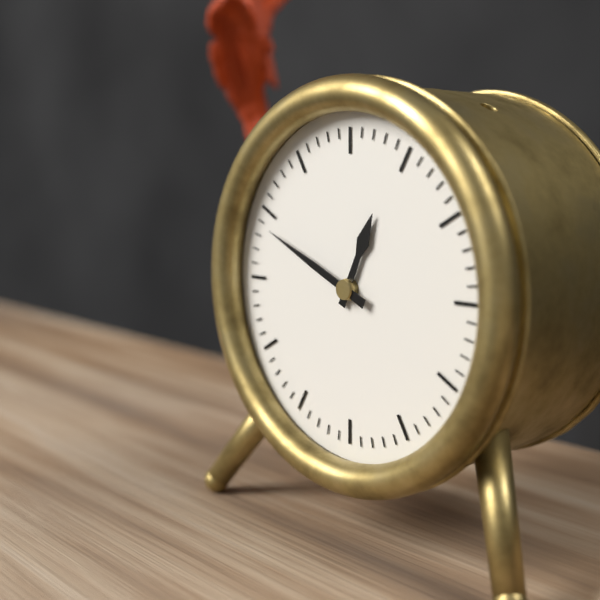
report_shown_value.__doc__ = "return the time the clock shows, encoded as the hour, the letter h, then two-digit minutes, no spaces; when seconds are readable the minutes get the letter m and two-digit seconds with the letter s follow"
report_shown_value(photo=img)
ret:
12h49
